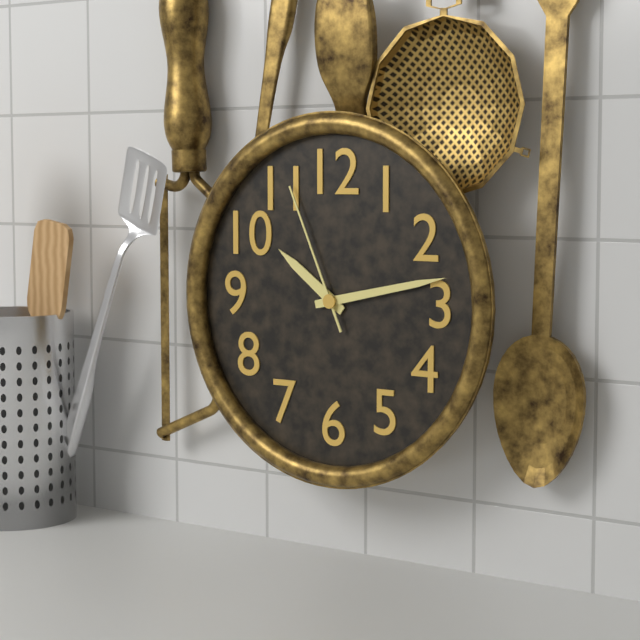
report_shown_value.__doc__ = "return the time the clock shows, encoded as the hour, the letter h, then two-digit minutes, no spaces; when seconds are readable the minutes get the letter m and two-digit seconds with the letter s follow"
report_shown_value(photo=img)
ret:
10h13m56s
